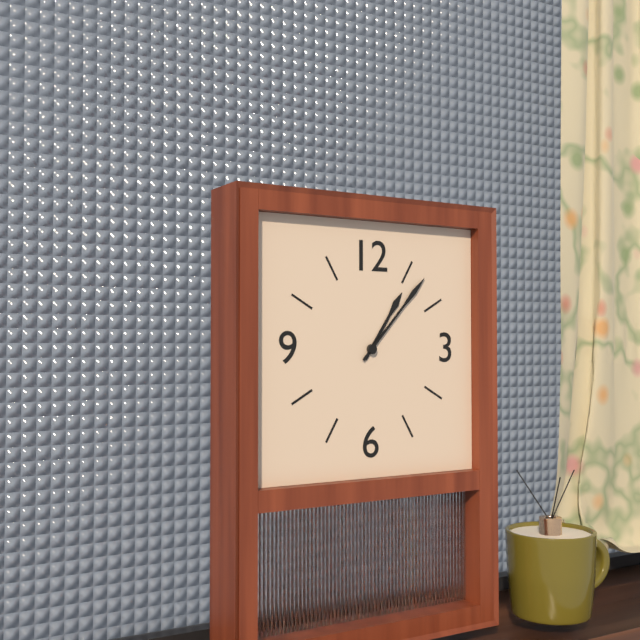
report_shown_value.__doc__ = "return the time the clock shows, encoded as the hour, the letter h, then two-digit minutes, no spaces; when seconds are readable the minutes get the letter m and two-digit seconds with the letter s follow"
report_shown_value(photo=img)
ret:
1h07
